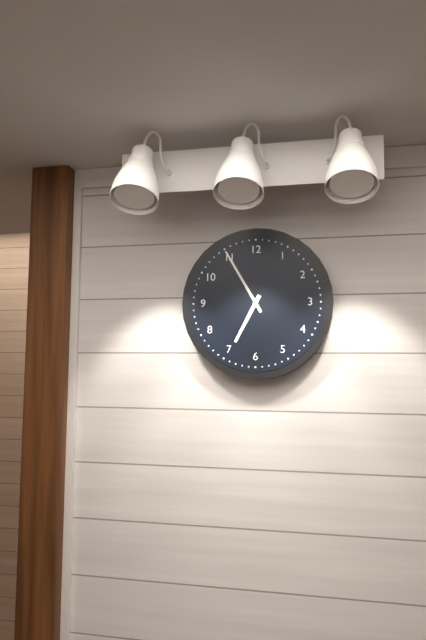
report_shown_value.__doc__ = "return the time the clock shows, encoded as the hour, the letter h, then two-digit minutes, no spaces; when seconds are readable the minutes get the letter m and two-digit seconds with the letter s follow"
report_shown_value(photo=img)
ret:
6h55
